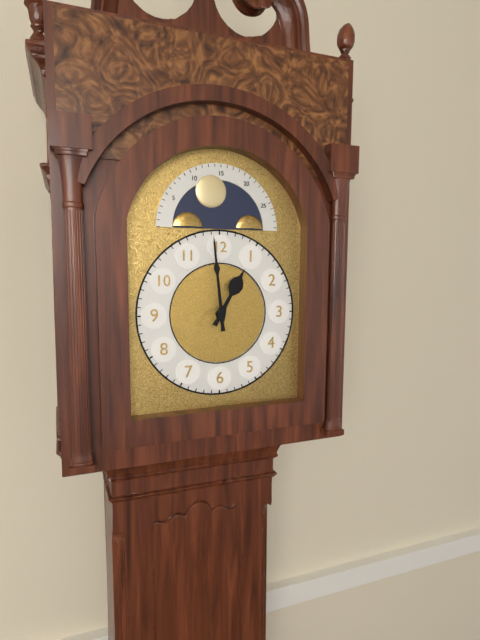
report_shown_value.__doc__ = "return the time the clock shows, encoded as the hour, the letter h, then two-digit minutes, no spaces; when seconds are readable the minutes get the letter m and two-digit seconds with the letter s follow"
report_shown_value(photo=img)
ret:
12h59
